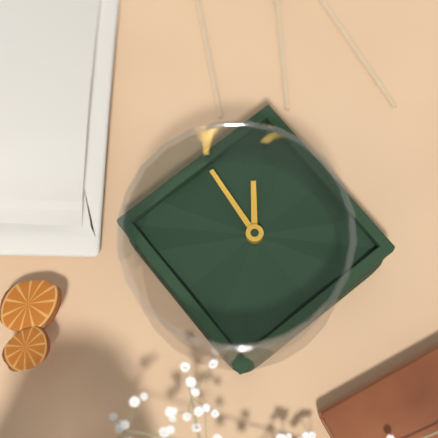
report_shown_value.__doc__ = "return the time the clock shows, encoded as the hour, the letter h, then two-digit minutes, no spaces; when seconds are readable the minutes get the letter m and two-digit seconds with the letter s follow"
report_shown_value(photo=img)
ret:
4h16
